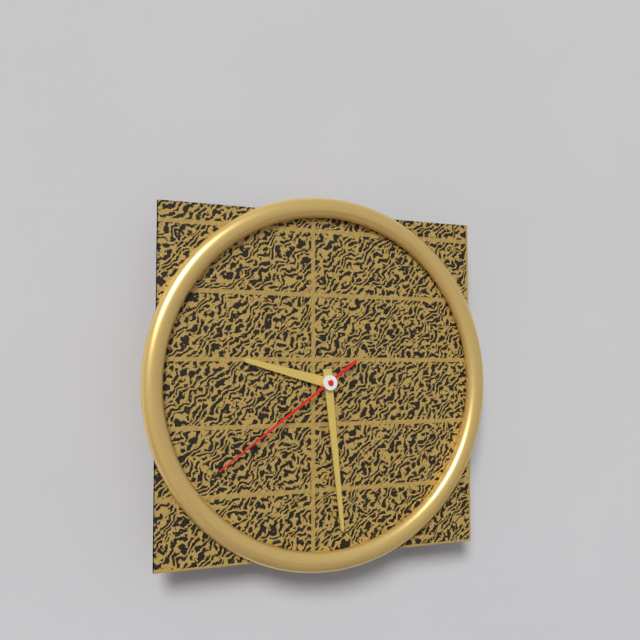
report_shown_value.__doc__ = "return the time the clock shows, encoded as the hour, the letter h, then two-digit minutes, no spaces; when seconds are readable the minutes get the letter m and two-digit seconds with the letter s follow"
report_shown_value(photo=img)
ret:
9h29m39s
